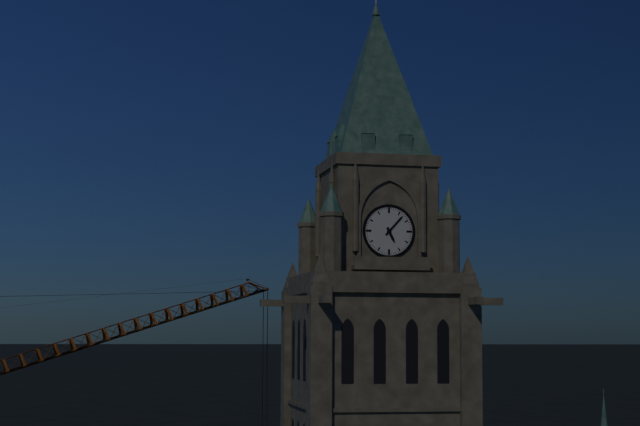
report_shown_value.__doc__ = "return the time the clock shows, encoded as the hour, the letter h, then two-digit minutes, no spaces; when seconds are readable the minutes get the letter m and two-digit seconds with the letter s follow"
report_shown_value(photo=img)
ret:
5h07
